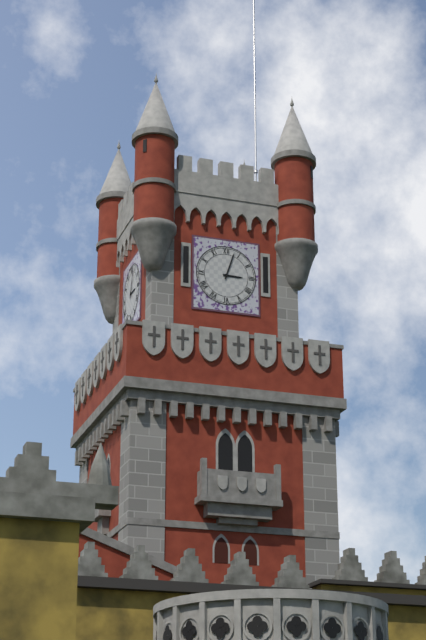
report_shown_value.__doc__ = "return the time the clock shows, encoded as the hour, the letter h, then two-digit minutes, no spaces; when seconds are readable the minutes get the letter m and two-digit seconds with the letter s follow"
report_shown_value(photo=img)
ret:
3h03
